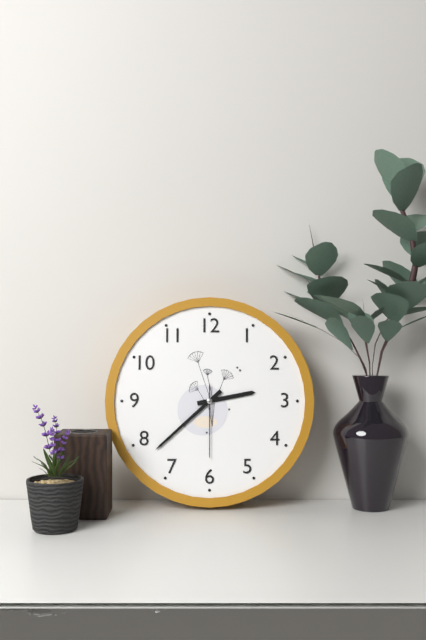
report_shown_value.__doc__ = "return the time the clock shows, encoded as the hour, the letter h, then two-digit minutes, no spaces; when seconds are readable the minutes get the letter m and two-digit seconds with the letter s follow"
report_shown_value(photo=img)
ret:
2h38m30s
